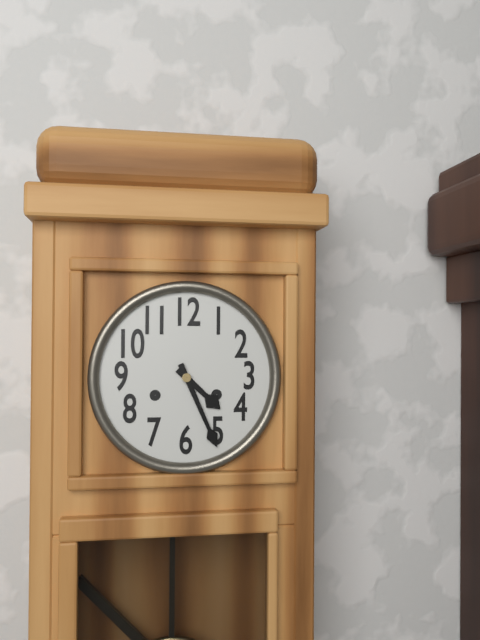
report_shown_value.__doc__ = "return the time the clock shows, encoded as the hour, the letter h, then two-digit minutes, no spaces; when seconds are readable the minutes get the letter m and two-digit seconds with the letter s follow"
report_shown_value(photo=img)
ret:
4h26
